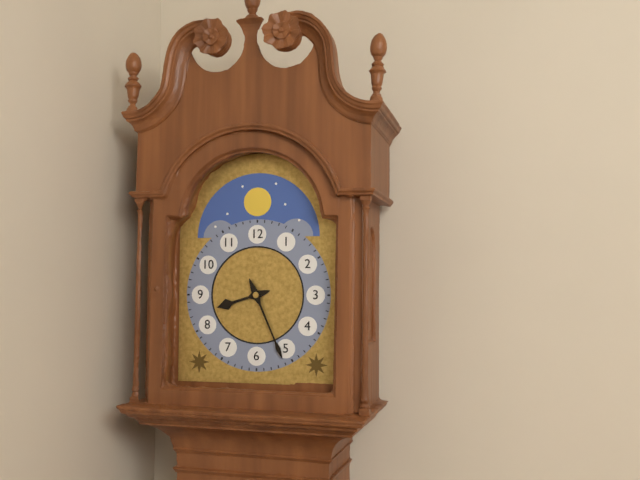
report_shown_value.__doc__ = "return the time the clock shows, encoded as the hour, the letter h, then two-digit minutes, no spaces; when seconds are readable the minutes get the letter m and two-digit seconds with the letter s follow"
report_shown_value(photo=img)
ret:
8h26
